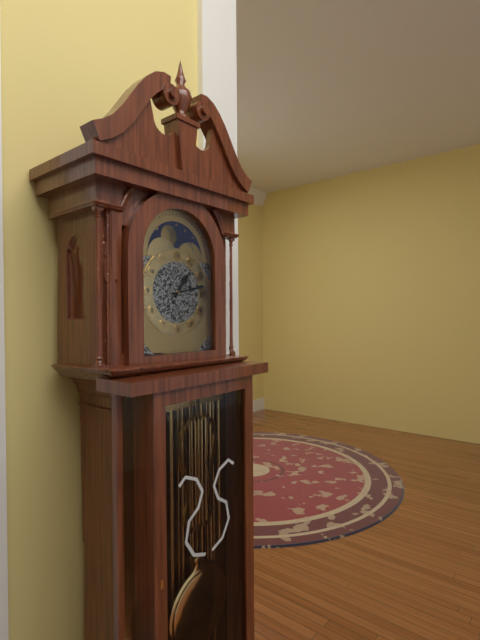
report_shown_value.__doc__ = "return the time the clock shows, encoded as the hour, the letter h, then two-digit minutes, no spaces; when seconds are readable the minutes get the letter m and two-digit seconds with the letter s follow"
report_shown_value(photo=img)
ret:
1h13
